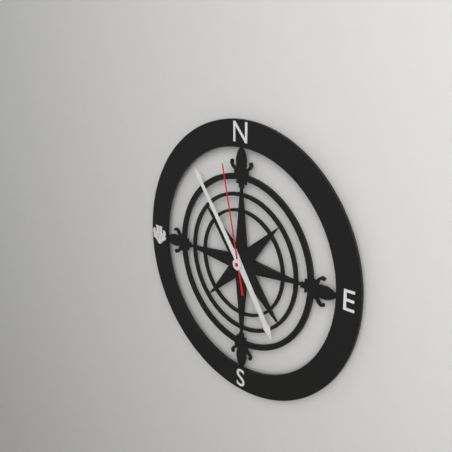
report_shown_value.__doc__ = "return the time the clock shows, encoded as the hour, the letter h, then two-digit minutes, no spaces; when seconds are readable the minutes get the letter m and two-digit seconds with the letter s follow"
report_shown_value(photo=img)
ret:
4h54m58s
